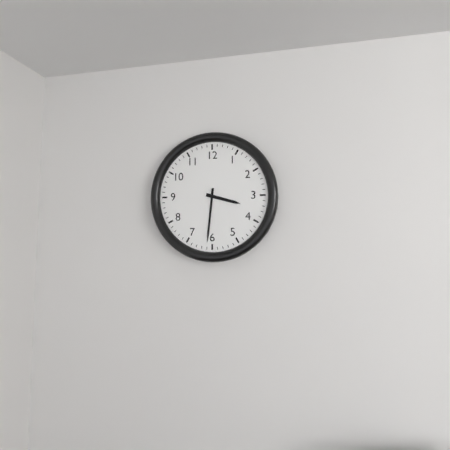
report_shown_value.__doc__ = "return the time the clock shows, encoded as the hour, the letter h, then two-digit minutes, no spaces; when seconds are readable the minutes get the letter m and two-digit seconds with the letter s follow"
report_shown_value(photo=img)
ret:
3h31
